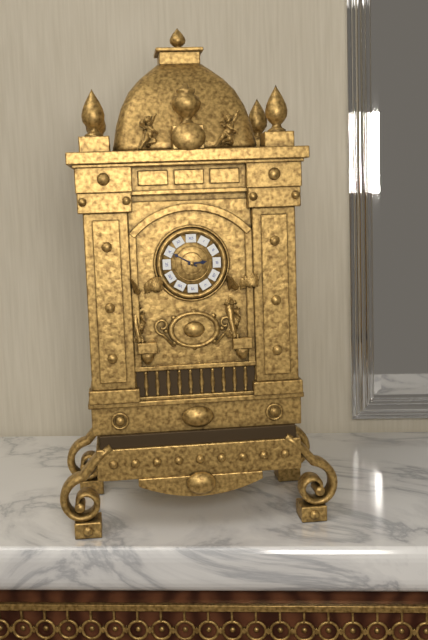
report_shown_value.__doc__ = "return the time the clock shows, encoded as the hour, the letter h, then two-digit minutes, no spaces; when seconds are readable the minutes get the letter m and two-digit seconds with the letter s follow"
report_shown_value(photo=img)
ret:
2h50
